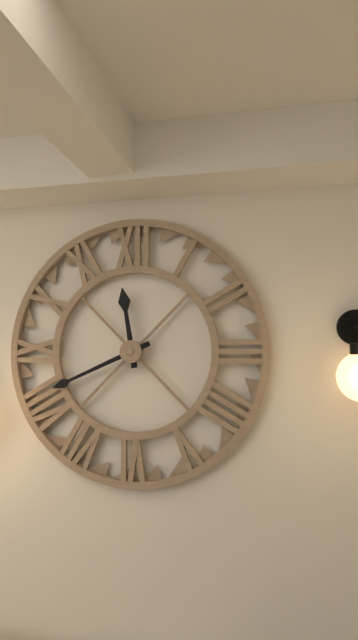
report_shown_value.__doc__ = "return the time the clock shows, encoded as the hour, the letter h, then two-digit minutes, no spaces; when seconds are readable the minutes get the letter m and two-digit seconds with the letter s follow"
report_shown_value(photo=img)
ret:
11h41
